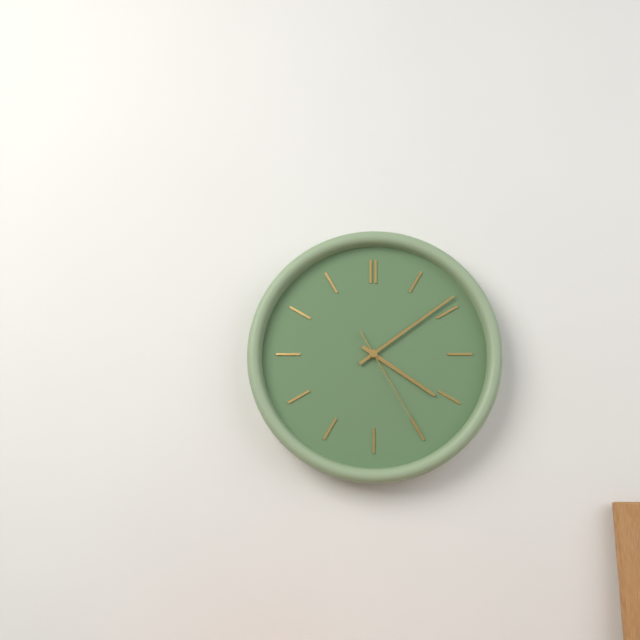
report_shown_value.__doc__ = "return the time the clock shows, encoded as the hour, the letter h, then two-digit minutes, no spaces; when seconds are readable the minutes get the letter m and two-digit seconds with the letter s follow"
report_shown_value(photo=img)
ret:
4h09m25s
